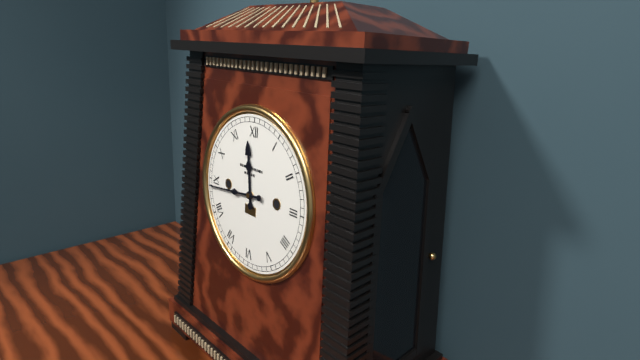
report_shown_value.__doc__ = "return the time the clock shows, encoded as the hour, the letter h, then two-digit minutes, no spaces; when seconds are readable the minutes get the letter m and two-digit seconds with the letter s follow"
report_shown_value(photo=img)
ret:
11h44
